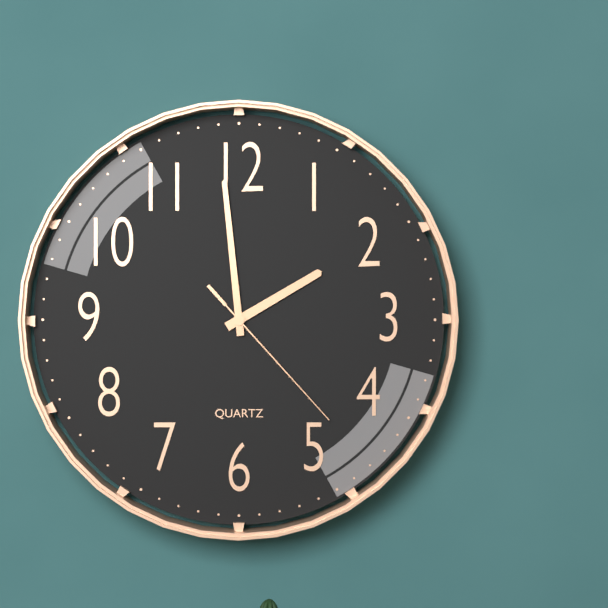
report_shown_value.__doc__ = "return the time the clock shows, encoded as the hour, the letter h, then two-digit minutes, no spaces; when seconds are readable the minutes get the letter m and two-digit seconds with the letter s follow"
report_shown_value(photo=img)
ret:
1h59m23s
